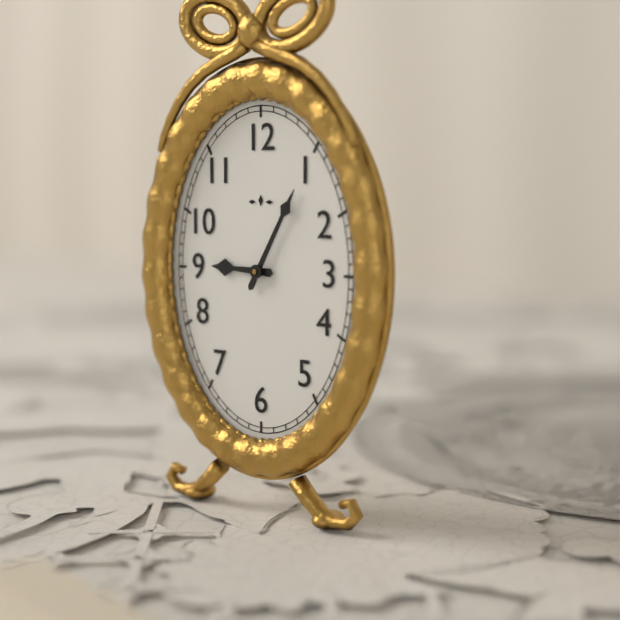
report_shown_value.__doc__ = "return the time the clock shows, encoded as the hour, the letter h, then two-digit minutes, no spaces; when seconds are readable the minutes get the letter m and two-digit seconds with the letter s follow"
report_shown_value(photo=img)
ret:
9h05
